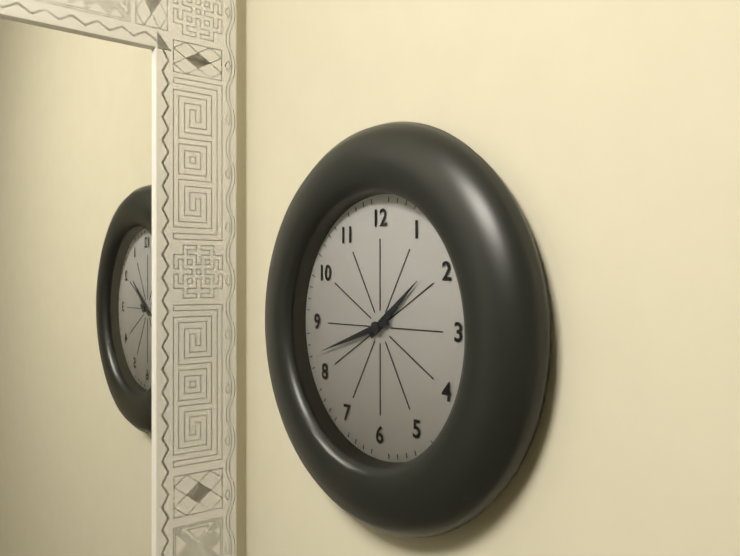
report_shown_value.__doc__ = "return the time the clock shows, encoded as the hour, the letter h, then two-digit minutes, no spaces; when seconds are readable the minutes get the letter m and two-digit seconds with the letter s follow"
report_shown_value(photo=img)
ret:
1h42
